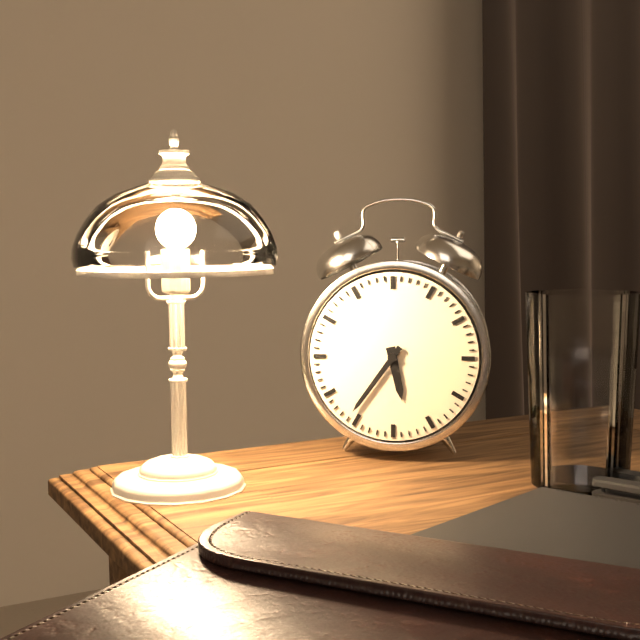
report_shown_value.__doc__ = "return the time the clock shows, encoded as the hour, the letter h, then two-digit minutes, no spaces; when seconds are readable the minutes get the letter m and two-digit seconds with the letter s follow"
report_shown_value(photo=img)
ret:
5h36
